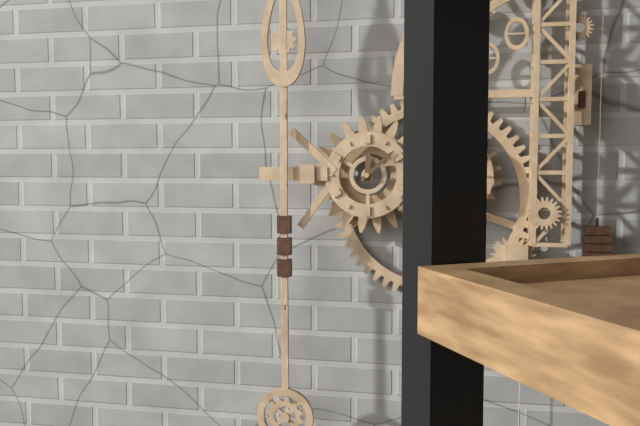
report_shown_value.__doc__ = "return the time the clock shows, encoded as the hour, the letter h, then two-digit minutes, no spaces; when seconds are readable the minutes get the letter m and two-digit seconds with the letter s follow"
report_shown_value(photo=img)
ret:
12h08
